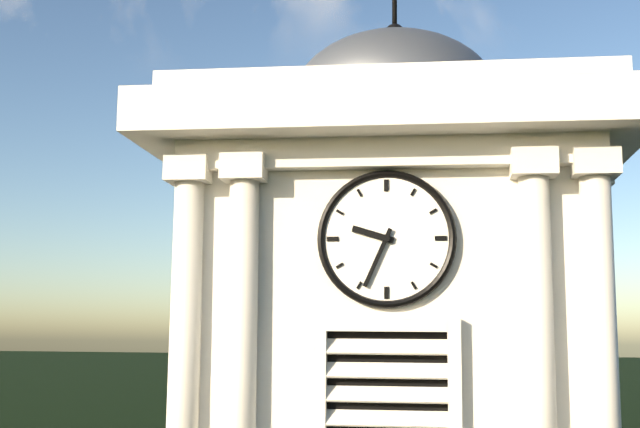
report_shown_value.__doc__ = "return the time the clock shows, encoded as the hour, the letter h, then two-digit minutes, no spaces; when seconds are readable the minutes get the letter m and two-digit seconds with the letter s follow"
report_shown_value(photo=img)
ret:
9h34
